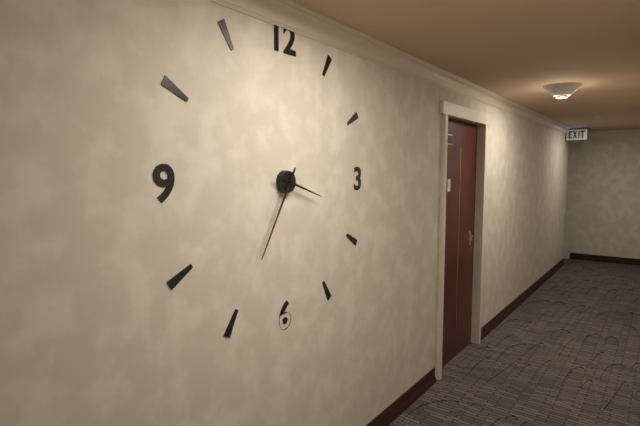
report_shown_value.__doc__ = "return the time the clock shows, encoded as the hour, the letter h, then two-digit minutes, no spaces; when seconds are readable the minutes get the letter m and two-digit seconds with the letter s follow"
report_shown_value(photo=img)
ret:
3h35
